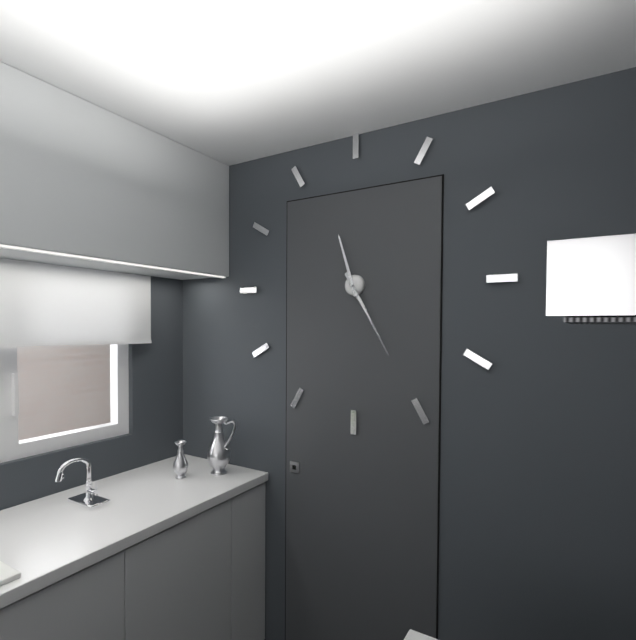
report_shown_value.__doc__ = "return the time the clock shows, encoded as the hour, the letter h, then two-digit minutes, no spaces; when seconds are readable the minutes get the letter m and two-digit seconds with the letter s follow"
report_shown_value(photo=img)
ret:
11h25
